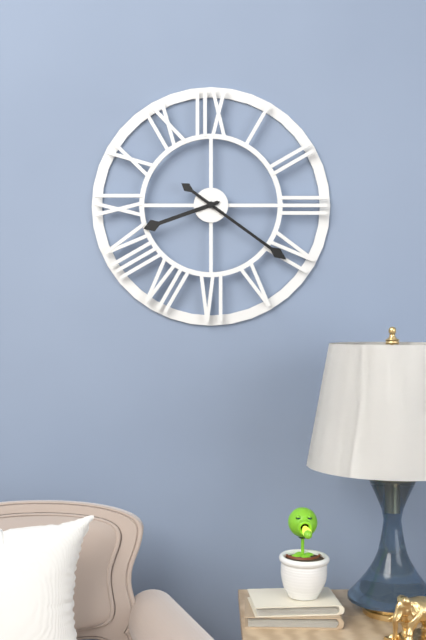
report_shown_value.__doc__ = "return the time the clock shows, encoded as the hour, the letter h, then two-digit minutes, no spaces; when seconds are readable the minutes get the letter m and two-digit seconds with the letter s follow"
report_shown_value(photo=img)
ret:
8h21
